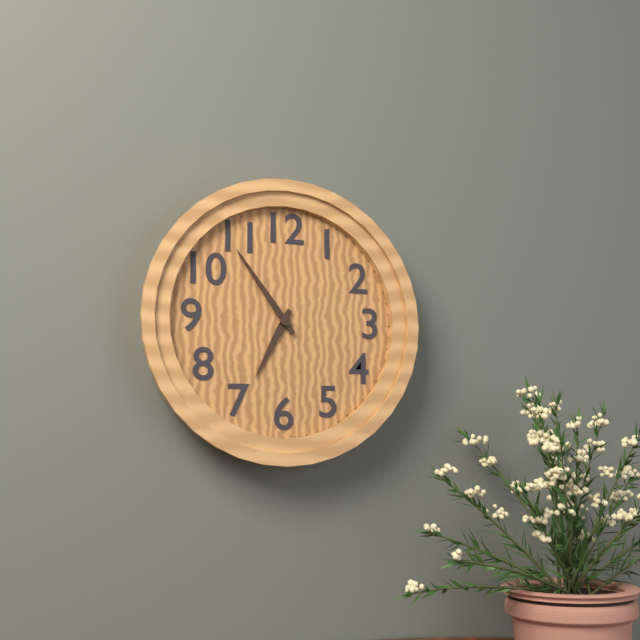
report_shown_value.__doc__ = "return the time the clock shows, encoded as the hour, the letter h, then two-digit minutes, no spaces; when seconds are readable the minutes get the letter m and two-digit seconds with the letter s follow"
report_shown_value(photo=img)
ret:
6h54
